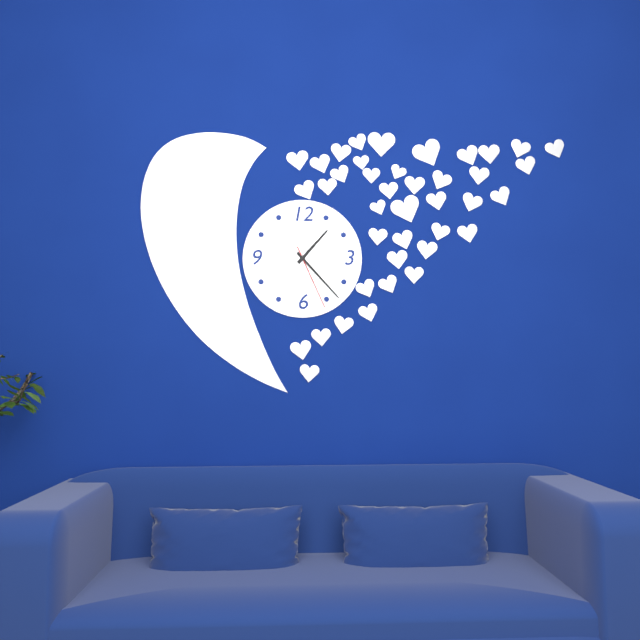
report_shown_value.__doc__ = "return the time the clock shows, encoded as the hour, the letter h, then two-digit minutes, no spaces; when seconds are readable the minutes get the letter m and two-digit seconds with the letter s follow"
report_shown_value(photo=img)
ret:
1h23m26s
